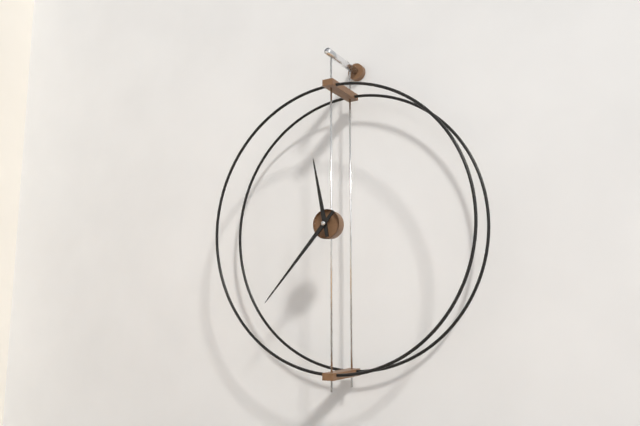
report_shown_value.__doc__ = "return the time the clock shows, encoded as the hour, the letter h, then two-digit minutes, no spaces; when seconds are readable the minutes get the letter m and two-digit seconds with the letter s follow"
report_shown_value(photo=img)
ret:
11h37
